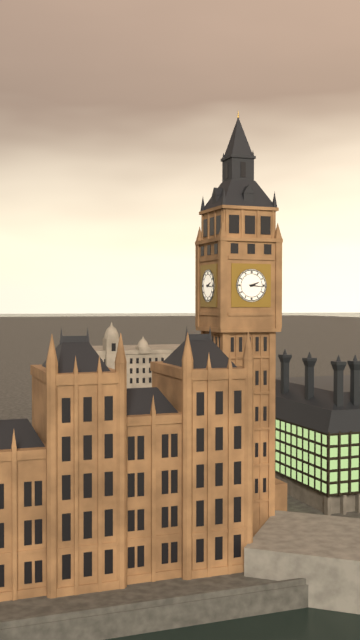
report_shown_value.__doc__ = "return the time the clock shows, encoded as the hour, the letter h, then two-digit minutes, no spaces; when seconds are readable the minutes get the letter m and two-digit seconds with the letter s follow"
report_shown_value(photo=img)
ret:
2h16
